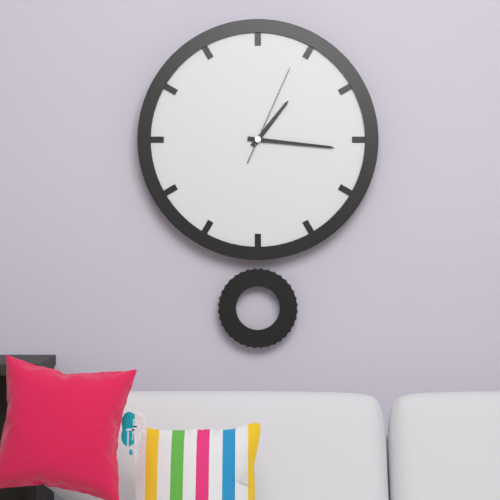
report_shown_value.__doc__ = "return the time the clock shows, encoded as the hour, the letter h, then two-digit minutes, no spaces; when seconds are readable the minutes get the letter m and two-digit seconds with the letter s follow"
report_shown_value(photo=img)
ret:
1h16m04s
